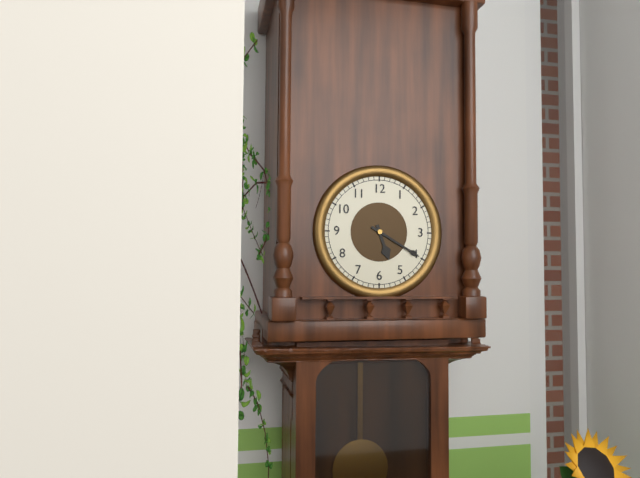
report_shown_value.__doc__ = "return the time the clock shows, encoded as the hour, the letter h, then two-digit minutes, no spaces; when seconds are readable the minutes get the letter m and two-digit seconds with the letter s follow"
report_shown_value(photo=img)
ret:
5h20
